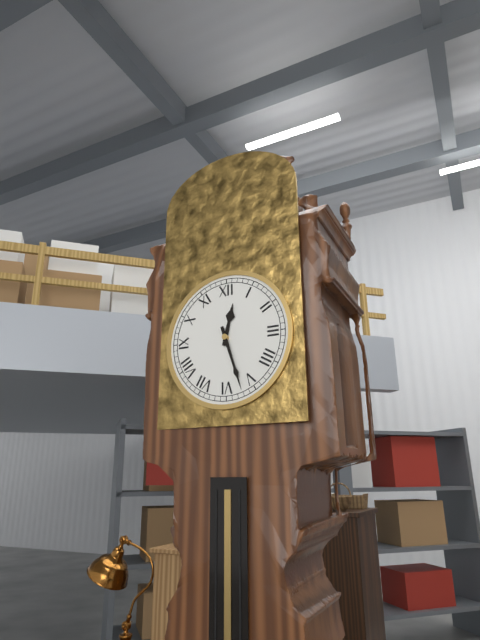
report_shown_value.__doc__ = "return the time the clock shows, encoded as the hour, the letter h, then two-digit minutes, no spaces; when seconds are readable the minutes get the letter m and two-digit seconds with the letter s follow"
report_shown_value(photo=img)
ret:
12h27
